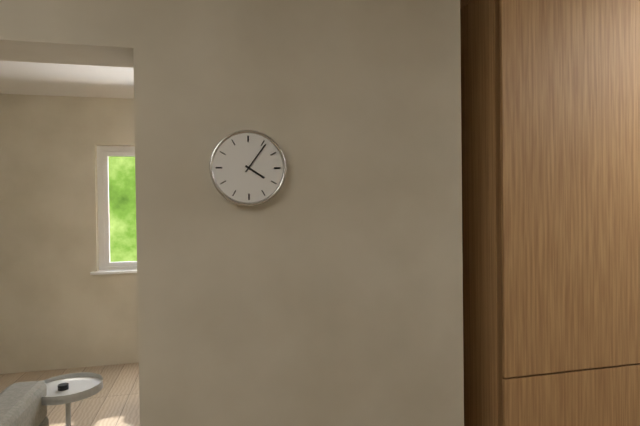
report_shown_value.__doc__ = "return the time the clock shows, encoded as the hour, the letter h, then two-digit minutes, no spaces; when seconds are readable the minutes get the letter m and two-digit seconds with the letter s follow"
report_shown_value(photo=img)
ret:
4h06
